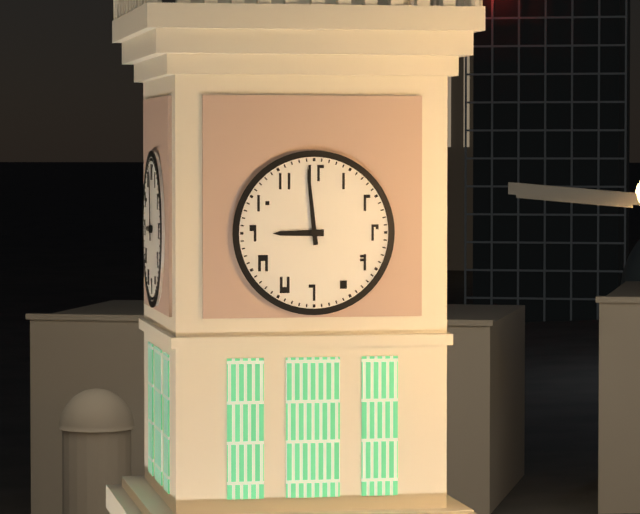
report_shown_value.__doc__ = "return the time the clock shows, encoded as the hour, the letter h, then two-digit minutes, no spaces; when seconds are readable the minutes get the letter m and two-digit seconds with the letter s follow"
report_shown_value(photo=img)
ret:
8h59
